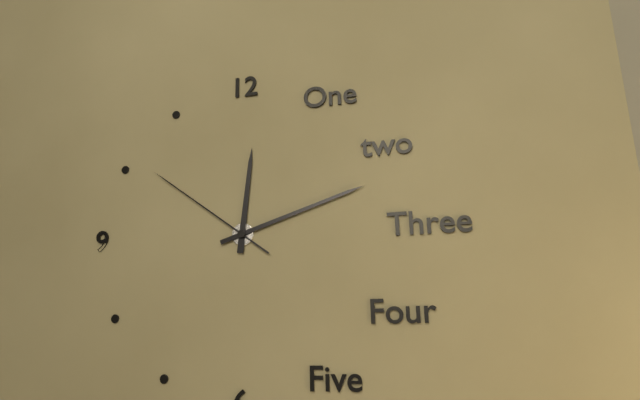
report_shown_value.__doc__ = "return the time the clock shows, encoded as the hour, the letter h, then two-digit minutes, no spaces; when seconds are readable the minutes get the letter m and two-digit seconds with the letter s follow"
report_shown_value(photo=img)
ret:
12h12m51s
